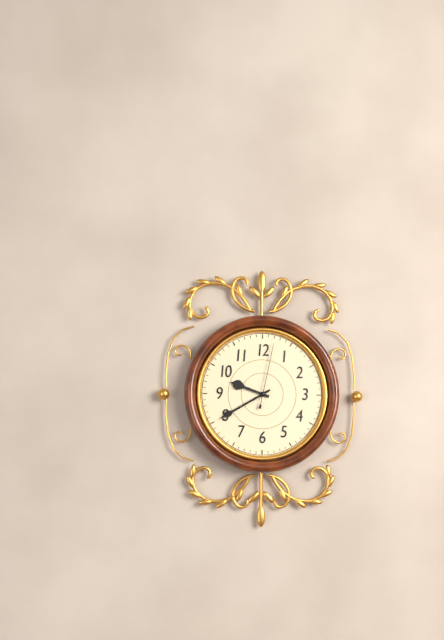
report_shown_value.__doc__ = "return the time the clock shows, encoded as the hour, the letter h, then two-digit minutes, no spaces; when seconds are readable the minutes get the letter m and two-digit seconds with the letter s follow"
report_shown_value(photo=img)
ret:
9h40m02s
